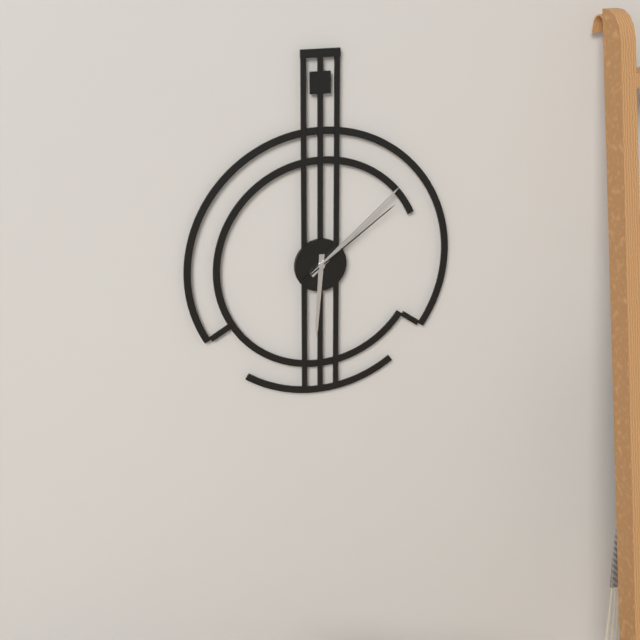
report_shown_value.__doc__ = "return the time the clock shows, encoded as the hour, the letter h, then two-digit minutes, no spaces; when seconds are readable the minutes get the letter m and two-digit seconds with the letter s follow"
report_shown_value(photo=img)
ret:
6h08m09s
